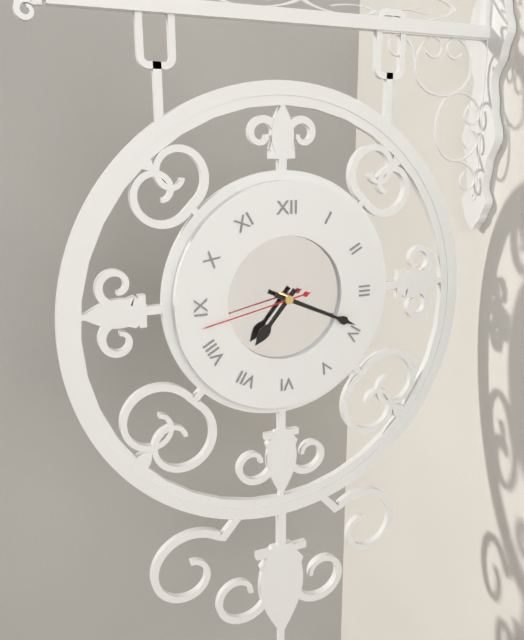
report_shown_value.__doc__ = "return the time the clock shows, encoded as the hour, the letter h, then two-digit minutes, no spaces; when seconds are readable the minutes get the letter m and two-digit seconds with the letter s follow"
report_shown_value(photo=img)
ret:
7h19m43s
